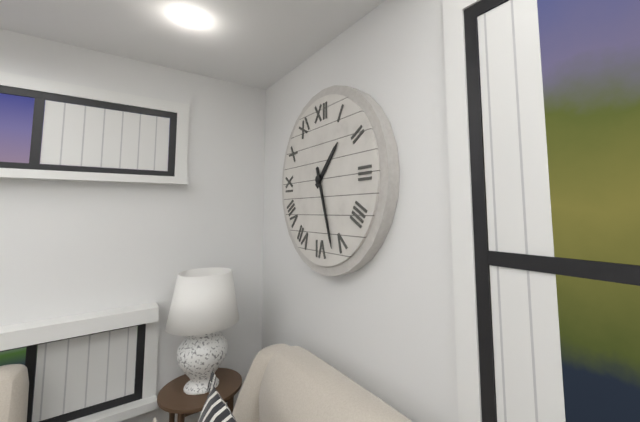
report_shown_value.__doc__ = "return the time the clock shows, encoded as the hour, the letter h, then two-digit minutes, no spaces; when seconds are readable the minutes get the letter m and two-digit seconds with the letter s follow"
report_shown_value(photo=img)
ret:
1h27
